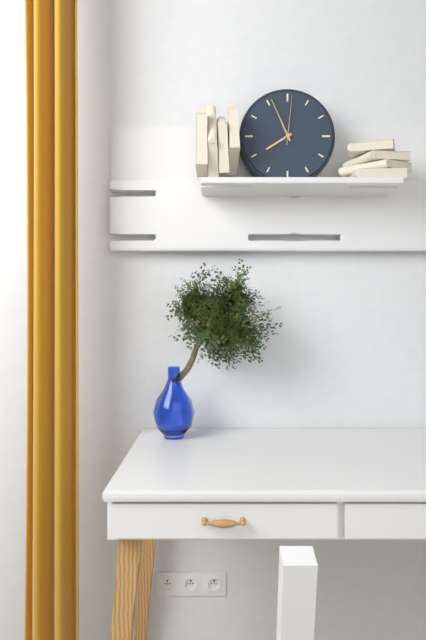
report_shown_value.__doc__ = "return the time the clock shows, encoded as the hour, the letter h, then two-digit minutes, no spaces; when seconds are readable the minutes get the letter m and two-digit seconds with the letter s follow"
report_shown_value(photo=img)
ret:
7h56m01s
